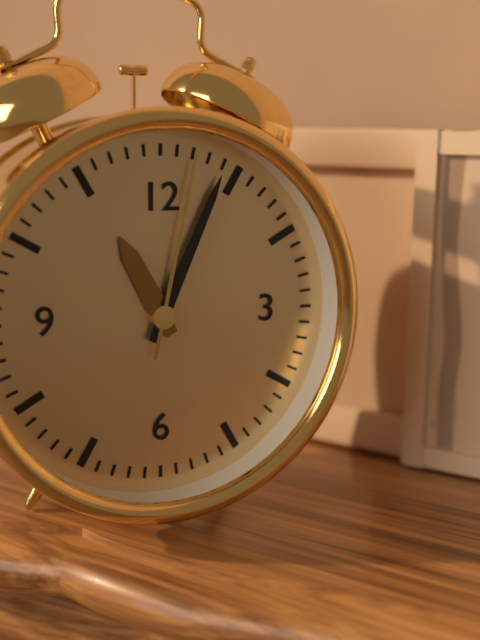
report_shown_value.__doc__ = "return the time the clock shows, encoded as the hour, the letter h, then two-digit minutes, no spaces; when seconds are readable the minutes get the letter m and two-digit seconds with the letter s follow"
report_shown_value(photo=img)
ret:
11h04m02s
